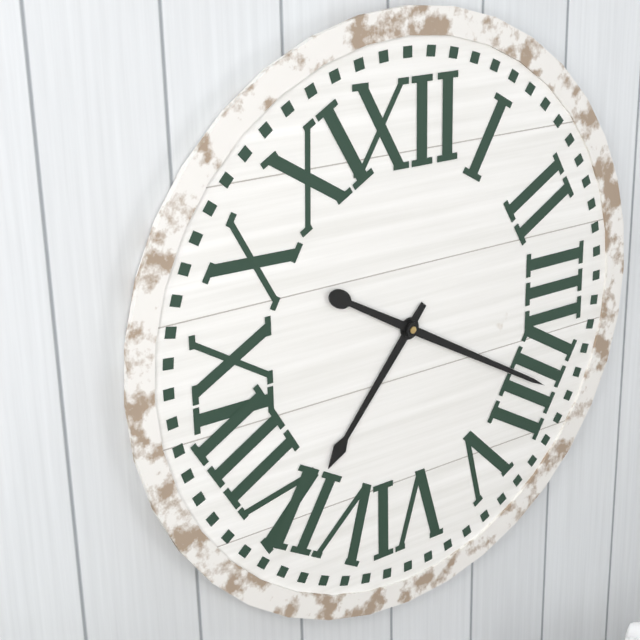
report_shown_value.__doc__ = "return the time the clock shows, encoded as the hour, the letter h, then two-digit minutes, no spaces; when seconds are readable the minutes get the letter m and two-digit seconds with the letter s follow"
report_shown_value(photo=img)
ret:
7h20
